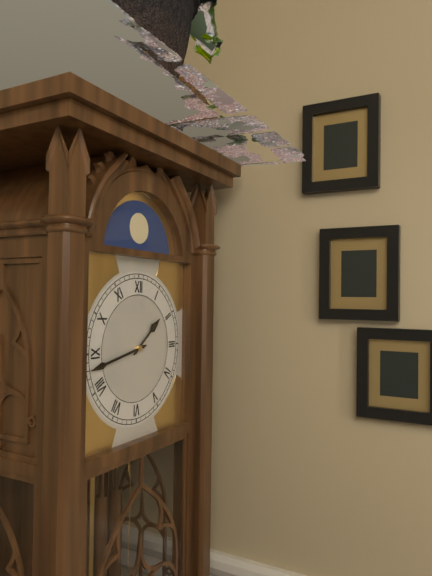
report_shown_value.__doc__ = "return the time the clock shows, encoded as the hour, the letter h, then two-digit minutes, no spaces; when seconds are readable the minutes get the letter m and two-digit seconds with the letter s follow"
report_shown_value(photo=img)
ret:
1h43
